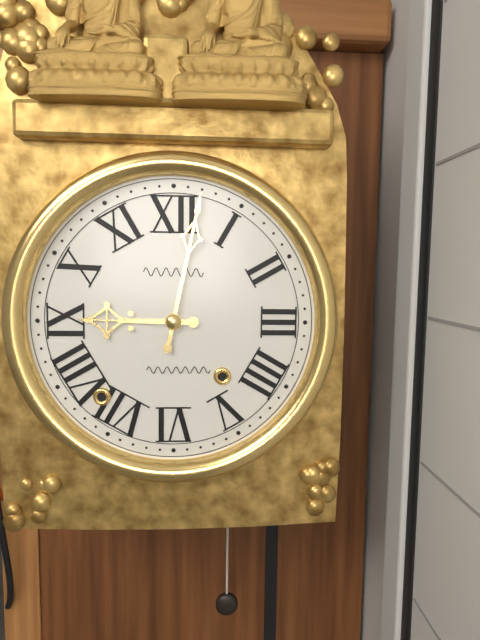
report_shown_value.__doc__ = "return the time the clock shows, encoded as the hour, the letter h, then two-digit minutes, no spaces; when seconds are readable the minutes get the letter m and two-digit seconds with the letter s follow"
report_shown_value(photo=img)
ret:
9h02
